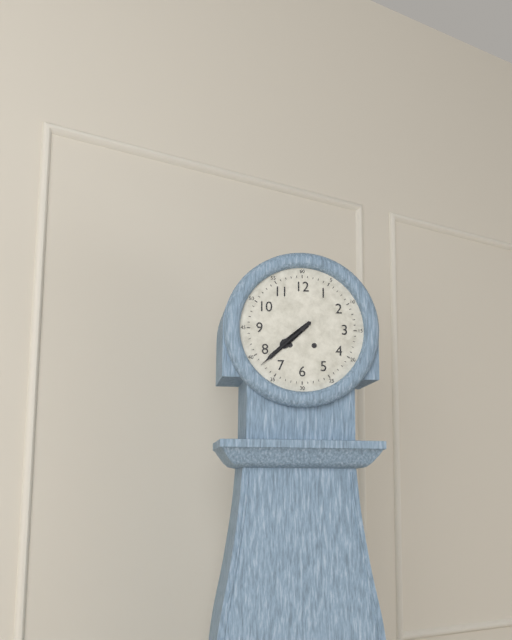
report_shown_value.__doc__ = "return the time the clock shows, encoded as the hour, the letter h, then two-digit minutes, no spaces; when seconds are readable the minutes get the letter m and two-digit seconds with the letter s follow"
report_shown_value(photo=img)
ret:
7h38
